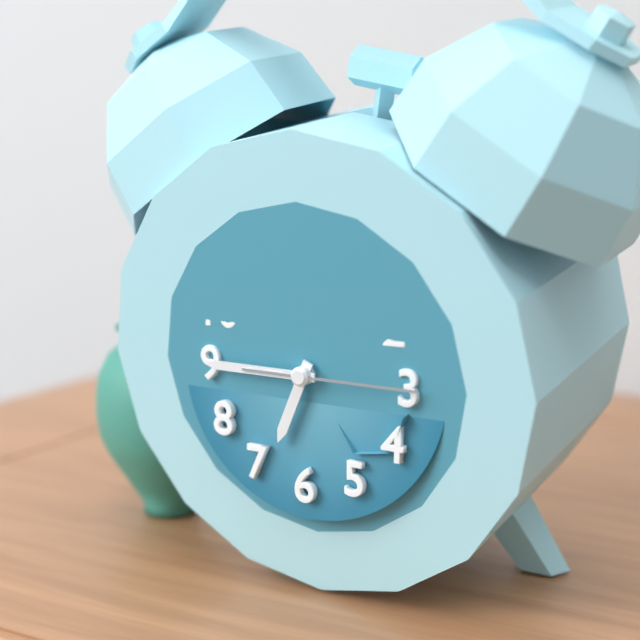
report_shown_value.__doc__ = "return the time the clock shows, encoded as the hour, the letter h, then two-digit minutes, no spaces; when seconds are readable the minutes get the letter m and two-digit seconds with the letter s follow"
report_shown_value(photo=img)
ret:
6h45m15s
